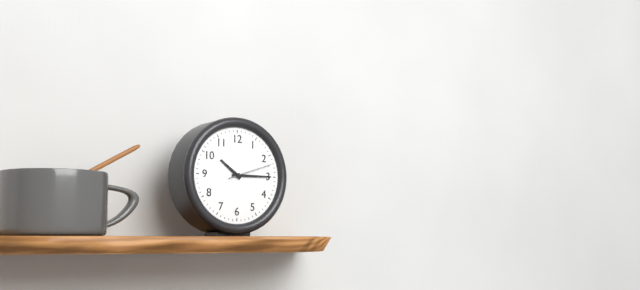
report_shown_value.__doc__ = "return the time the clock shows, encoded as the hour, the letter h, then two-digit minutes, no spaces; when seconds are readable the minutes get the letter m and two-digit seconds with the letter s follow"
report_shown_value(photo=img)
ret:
10h15
